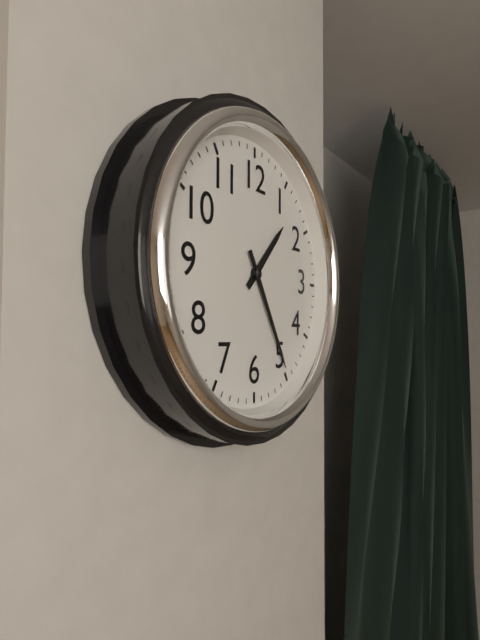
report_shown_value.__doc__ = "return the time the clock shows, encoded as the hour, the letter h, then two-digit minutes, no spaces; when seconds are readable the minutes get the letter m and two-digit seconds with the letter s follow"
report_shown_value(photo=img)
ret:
1h25
